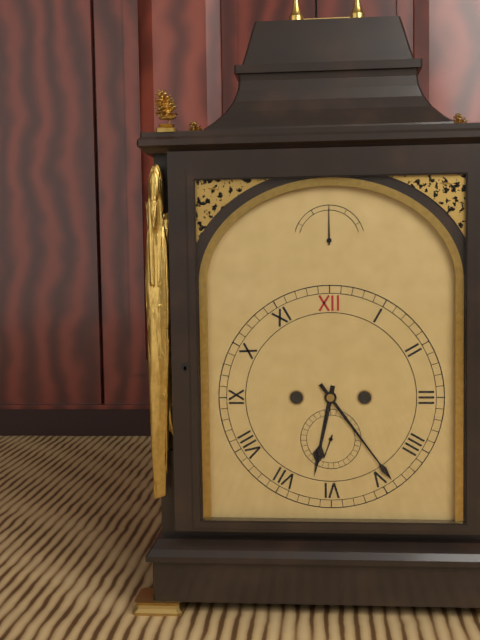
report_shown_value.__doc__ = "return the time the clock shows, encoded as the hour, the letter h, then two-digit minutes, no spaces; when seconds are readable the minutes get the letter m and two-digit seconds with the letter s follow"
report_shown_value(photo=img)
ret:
6h24
